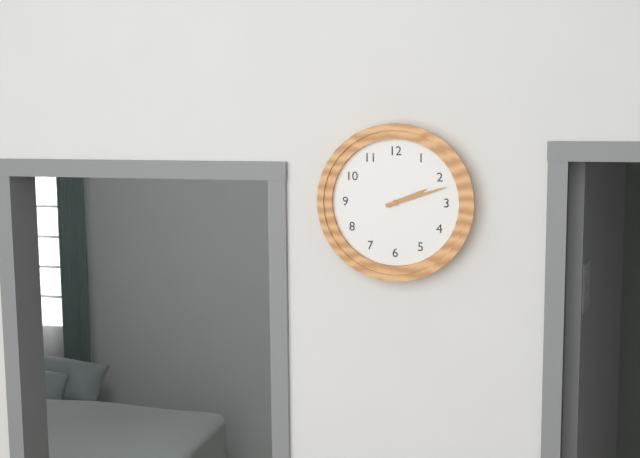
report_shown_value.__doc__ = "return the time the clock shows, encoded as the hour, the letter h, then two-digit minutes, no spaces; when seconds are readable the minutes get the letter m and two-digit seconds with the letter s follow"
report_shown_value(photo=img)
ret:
2h12
